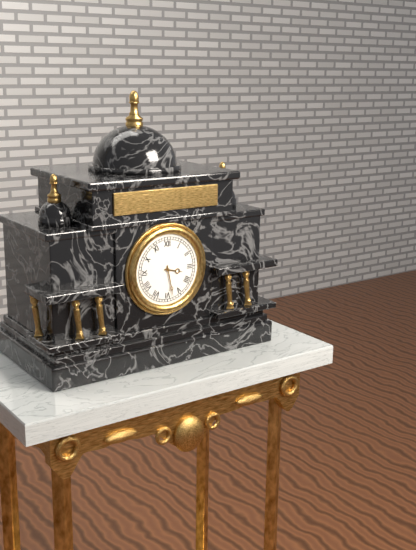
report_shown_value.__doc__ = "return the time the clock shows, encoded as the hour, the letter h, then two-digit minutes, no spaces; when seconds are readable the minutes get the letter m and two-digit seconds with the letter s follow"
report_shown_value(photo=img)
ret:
3h28
